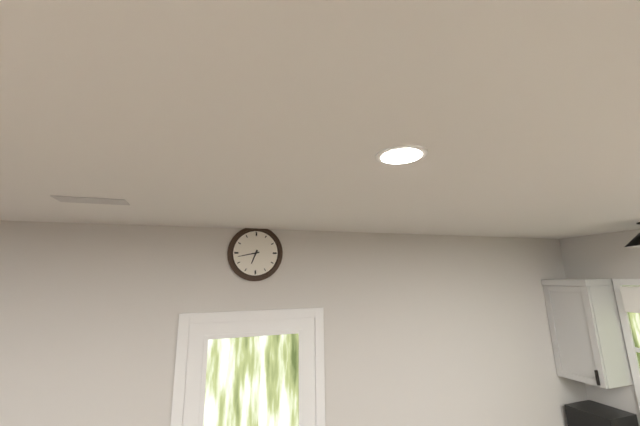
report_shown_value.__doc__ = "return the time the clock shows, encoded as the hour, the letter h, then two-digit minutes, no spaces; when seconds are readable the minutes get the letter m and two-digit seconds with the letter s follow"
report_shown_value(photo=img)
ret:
6h43
